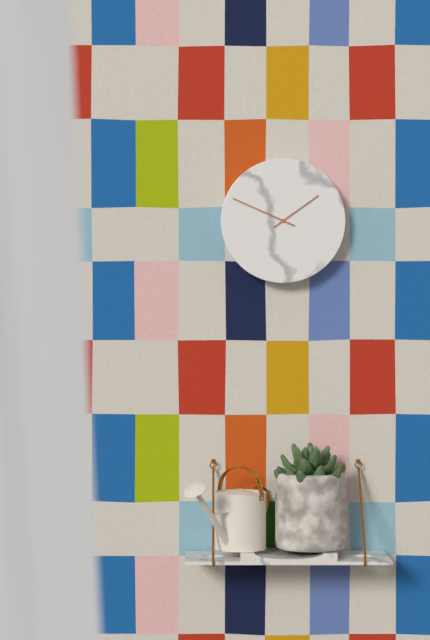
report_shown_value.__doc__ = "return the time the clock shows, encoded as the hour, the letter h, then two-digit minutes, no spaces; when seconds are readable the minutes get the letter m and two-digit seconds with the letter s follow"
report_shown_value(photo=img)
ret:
1h49
